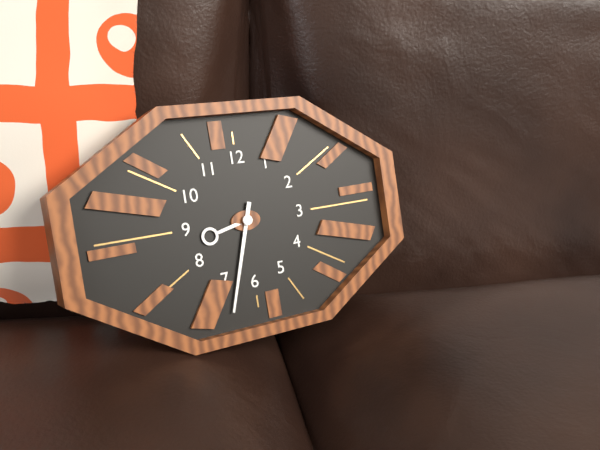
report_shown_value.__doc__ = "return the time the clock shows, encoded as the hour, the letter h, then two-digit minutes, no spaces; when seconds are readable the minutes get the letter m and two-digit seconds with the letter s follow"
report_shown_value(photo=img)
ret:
8h33
